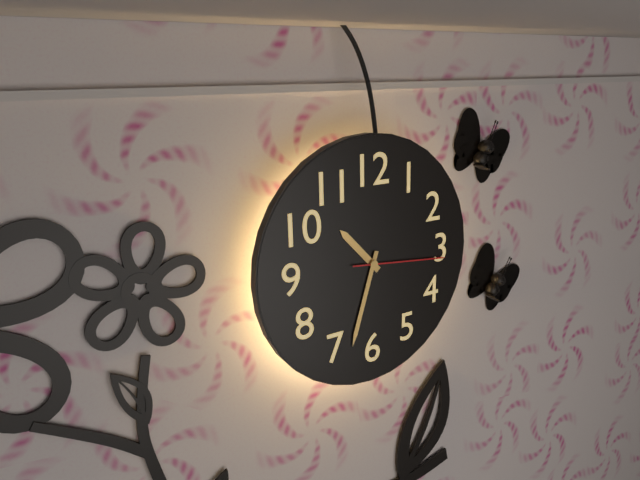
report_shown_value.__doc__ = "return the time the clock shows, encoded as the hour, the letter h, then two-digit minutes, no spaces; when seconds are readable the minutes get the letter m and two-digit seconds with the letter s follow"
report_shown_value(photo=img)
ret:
10h33m16s
